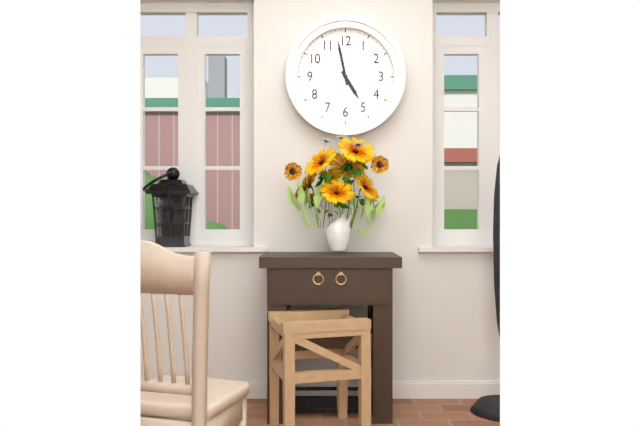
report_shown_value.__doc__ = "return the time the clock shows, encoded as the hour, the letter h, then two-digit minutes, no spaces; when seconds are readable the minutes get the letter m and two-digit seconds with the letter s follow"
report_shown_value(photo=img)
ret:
4h58
